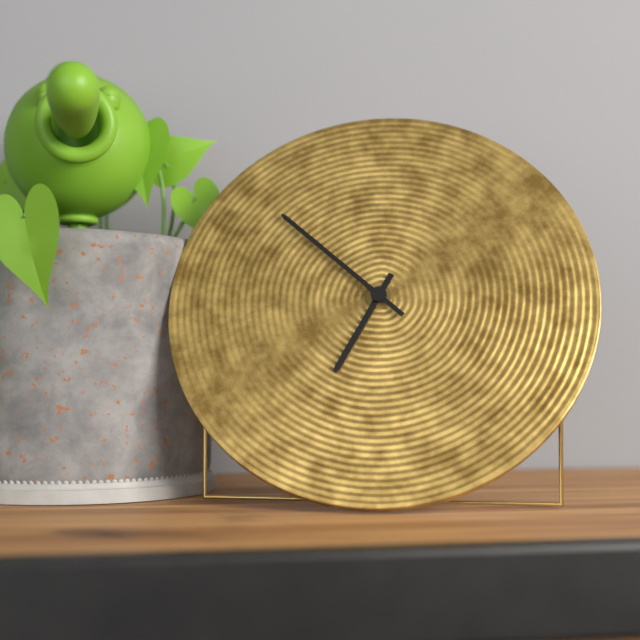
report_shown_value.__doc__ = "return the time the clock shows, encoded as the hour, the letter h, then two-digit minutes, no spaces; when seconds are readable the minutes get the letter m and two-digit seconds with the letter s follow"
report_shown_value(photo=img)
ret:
6h52
